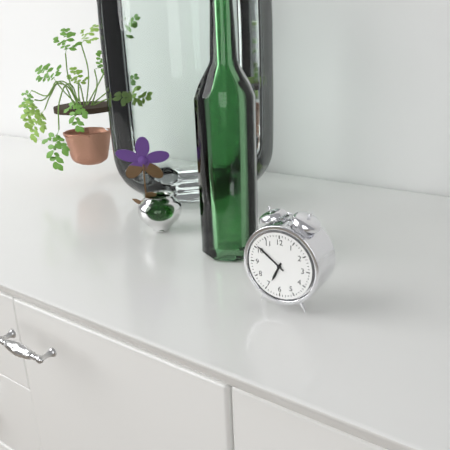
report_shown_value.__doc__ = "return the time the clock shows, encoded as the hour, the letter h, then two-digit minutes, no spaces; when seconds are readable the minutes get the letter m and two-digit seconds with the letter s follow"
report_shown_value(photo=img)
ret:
6h51
